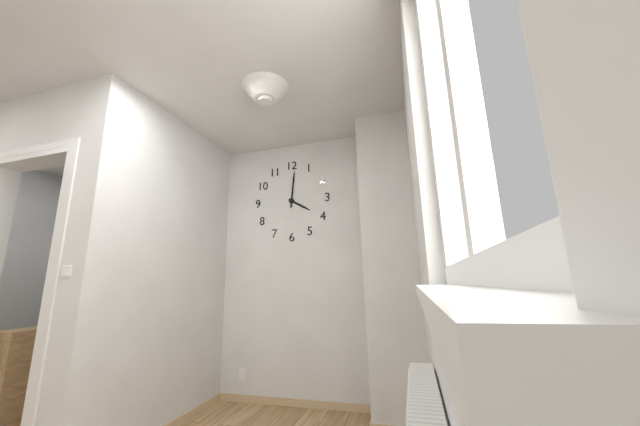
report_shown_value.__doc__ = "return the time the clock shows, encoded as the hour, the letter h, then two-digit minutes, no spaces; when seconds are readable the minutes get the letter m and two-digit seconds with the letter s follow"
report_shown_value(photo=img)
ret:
4h01
